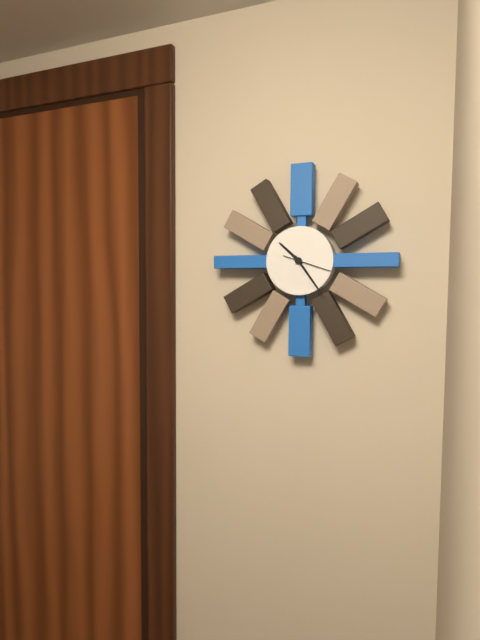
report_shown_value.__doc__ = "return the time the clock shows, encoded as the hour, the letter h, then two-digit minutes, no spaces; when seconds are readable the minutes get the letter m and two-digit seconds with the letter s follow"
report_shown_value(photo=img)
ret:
10h24
